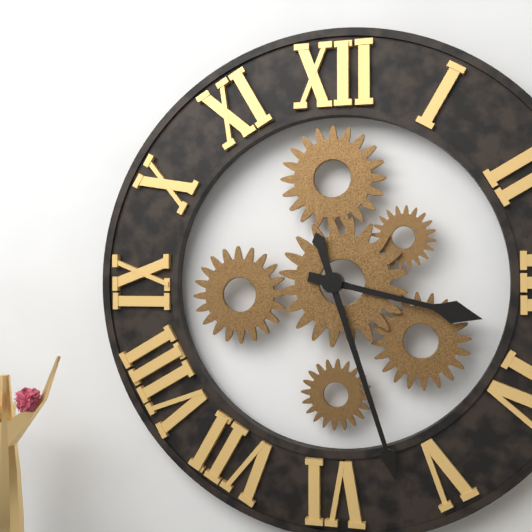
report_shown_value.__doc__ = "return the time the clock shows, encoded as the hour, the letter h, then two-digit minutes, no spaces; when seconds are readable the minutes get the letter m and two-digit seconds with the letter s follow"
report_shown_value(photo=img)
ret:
3h27
